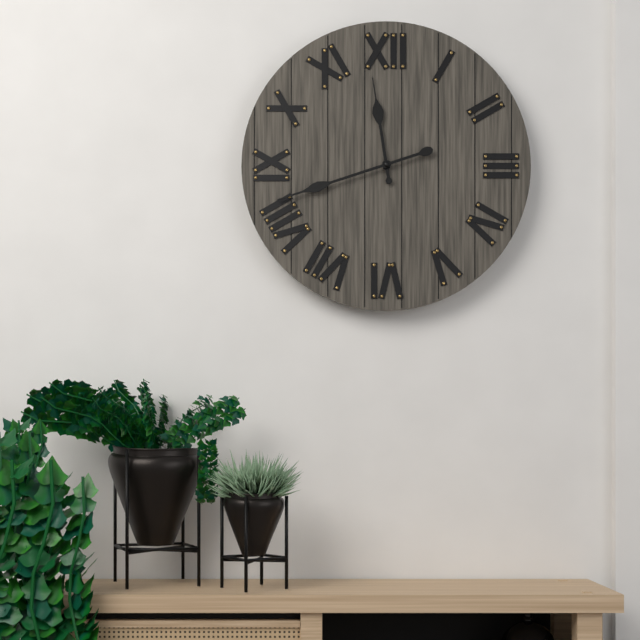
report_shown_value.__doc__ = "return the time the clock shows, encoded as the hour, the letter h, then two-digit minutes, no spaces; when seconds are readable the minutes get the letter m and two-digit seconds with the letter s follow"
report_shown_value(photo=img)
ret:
11h42
